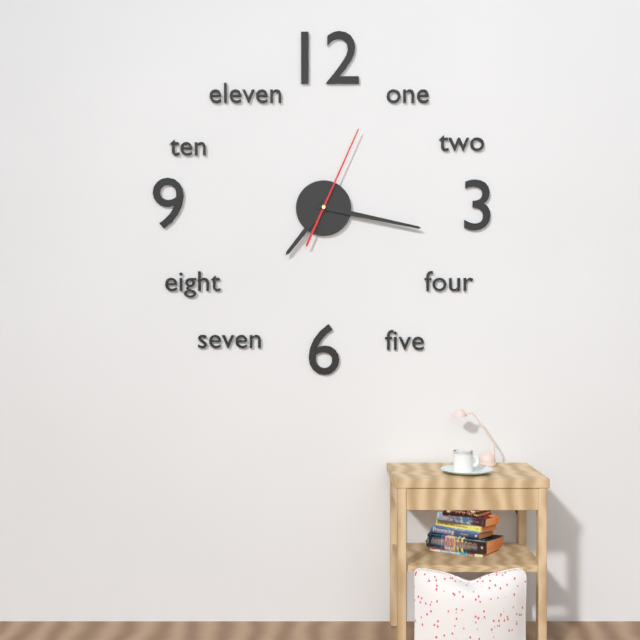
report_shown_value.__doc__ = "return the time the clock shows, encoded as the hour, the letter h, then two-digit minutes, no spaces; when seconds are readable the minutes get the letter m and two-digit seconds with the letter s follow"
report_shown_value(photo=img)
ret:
7h17m04s
